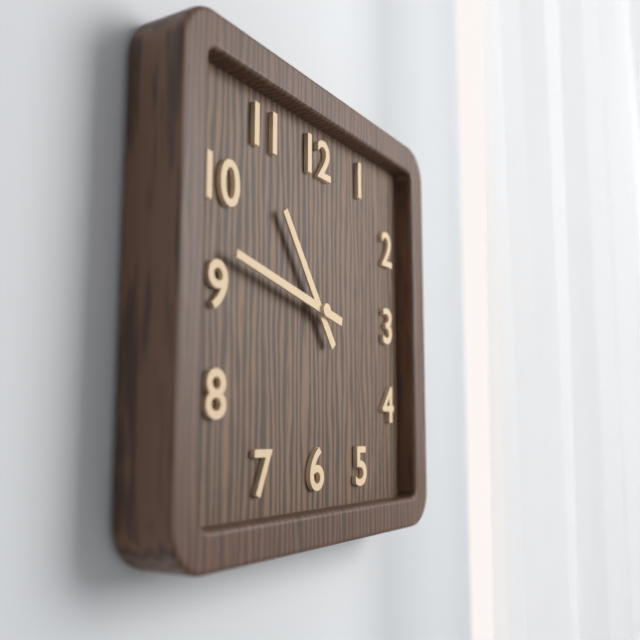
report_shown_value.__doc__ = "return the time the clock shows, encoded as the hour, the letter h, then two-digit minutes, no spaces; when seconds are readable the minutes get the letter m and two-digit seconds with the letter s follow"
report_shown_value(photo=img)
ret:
10h47
